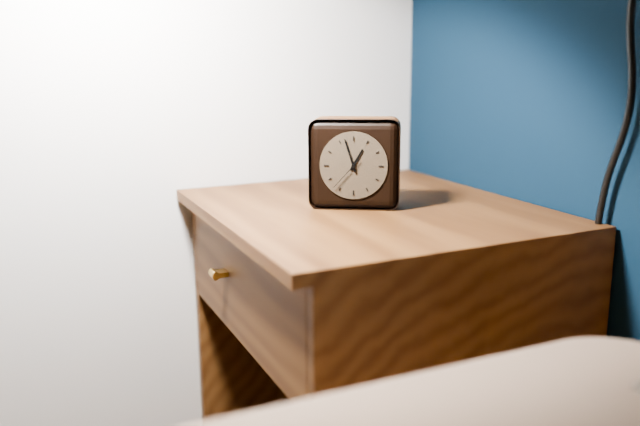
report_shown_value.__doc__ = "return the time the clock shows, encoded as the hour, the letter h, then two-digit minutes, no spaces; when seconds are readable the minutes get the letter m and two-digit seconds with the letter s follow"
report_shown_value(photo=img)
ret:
12h57
